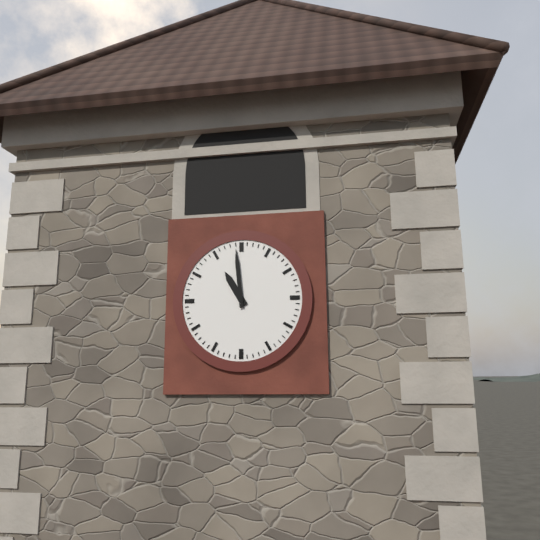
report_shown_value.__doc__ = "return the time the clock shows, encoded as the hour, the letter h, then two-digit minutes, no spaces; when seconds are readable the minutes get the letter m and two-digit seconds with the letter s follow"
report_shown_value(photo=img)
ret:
10h59
